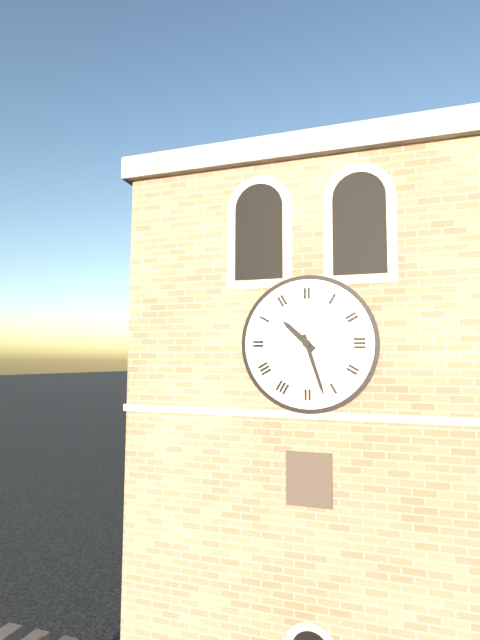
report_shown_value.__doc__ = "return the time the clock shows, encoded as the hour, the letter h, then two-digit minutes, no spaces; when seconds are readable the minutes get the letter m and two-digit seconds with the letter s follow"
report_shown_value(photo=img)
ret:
10h27
